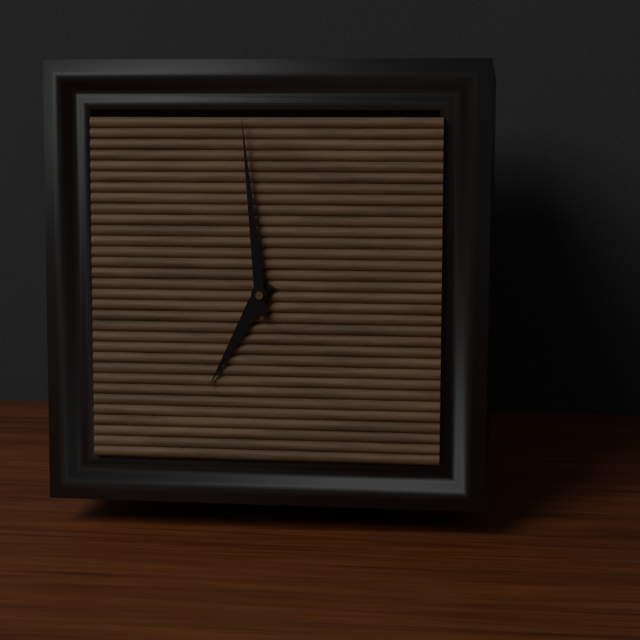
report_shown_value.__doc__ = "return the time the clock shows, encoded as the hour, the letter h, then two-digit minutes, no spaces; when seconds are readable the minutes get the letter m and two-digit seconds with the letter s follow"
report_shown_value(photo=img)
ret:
6h59
